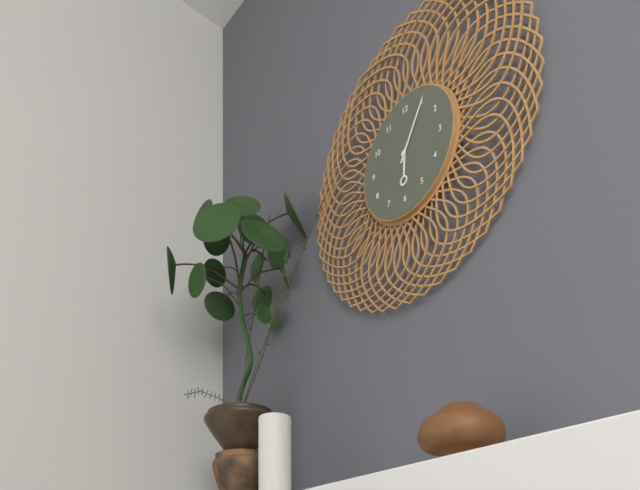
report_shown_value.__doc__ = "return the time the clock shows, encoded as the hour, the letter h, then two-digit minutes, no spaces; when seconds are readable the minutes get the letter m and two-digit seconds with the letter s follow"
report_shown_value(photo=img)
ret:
6h05
